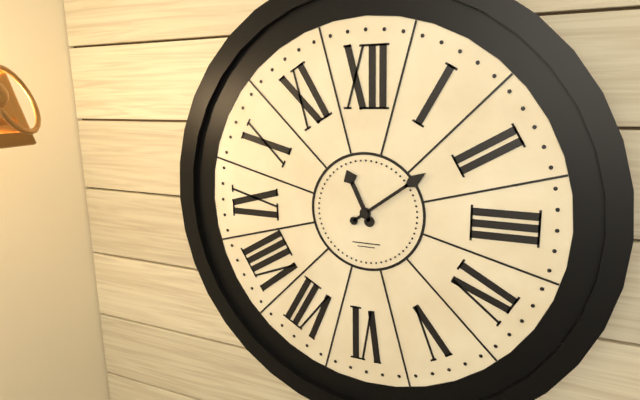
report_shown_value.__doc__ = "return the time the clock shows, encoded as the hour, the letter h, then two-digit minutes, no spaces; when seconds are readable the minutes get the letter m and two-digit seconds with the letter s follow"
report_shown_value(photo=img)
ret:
11h09
